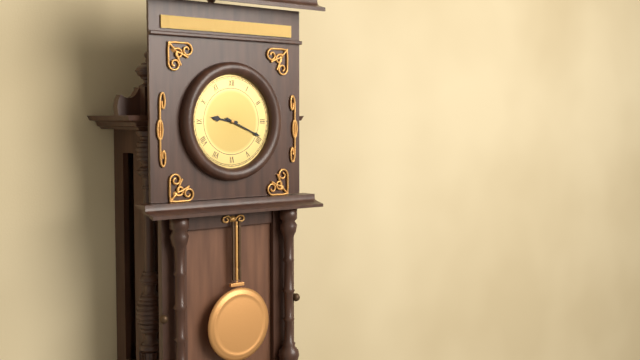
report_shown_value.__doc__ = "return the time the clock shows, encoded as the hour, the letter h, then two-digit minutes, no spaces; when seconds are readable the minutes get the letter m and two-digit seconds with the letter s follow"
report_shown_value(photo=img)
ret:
9h19
